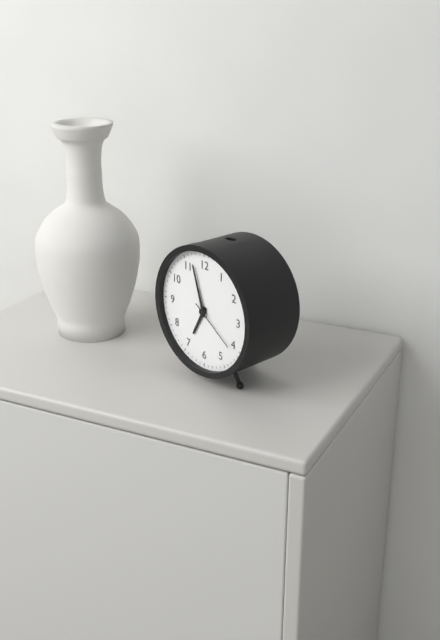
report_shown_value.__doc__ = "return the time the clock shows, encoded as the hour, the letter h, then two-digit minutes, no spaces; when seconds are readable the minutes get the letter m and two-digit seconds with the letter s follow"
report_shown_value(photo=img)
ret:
6h57m21s
